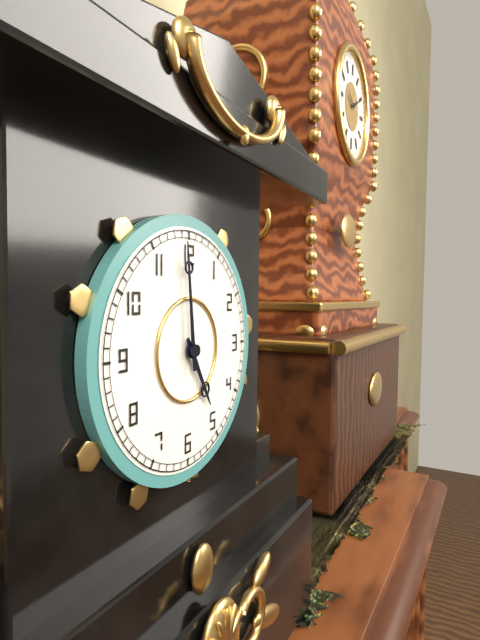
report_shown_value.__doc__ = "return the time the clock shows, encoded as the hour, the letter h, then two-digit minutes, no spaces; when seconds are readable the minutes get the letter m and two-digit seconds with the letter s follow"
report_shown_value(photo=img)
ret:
4h59
